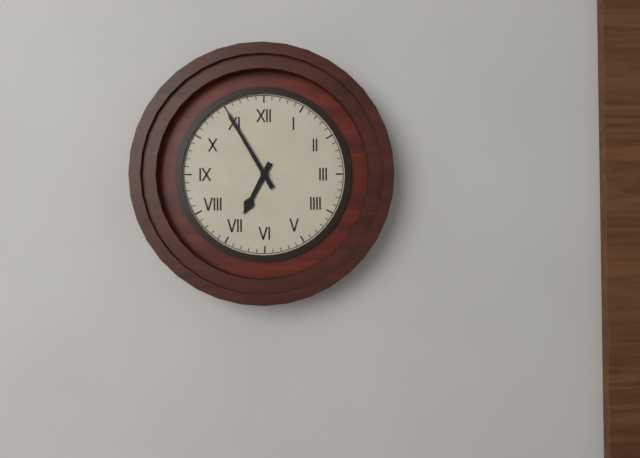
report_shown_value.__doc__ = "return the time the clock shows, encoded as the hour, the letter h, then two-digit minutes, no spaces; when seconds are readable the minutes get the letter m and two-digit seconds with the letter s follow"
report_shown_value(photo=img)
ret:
6h55
